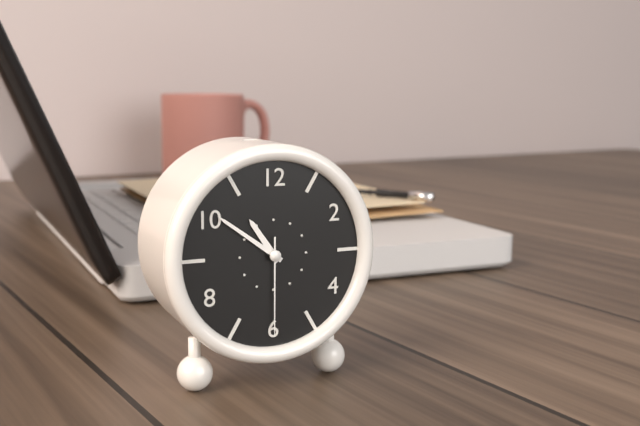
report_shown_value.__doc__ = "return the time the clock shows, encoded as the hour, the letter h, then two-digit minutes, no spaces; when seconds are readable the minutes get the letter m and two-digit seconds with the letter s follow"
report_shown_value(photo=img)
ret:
10h51m30s
